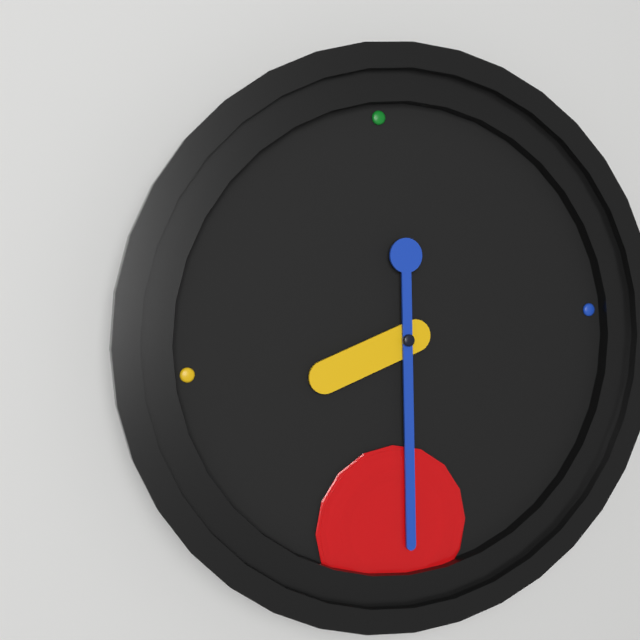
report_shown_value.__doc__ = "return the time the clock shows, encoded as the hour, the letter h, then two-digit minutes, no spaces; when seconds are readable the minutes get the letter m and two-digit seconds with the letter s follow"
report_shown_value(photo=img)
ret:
8h31
